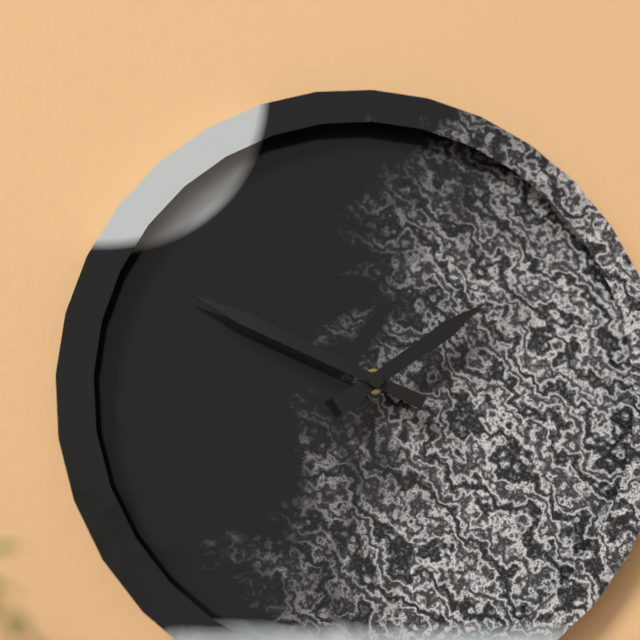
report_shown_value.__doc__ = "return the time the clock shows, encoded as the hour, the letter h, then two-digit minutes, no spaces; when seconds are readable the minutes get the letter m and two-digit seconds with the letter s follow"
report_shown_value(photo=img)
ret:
1h49
